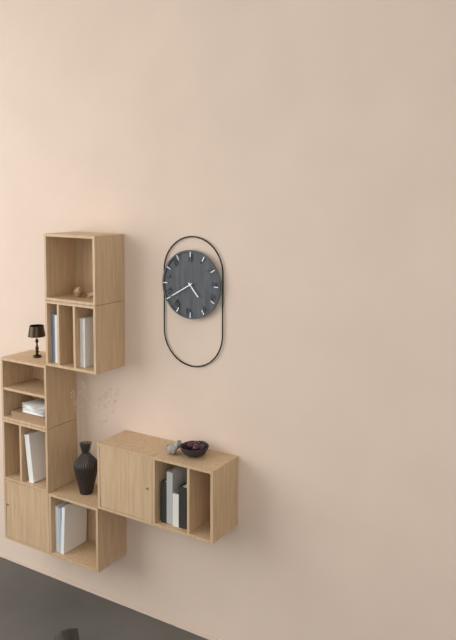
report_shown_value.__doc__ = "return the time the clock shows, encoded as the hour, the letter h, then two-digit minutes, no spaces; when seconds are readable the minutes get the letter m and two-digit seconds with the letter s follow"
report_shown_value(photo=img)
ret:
4h40
